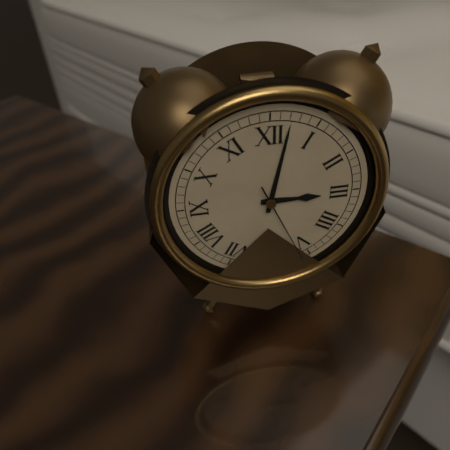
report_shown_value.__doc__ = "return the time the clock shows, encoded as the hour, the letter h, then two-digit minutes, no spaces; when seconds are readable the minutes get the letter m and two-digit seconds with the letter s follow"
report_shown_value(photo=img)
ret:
3h02m26s
